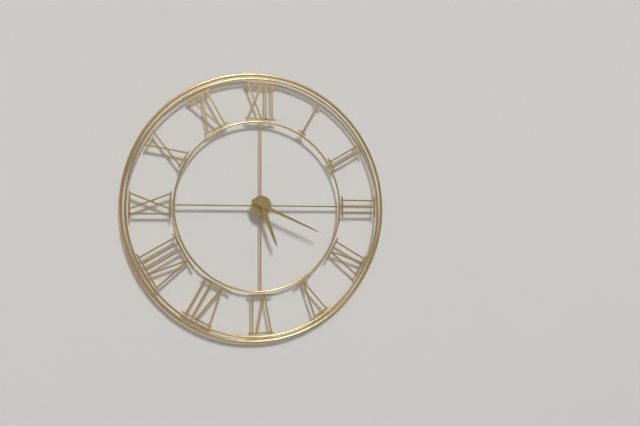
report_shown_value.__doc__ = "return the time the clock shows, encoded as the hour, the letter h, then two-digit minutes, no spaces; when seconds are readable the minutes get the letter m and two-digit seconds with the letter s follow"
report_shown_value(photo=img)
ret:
5h19
